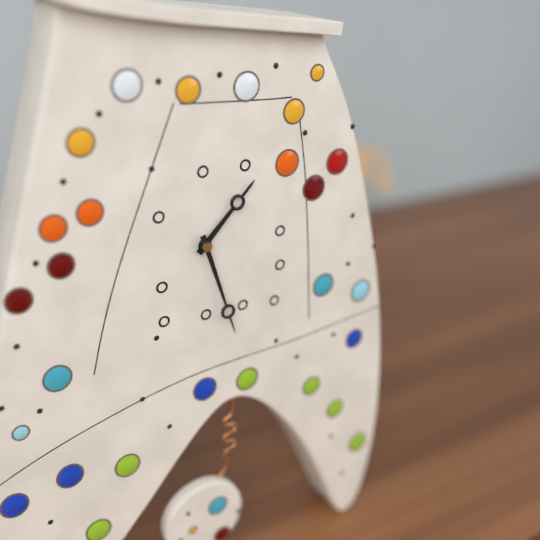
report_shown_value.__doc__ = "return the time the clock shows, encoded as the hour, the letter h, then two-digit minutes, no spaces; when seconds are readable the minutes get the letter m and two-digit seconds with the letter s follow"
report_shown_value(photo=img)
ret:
1h27
